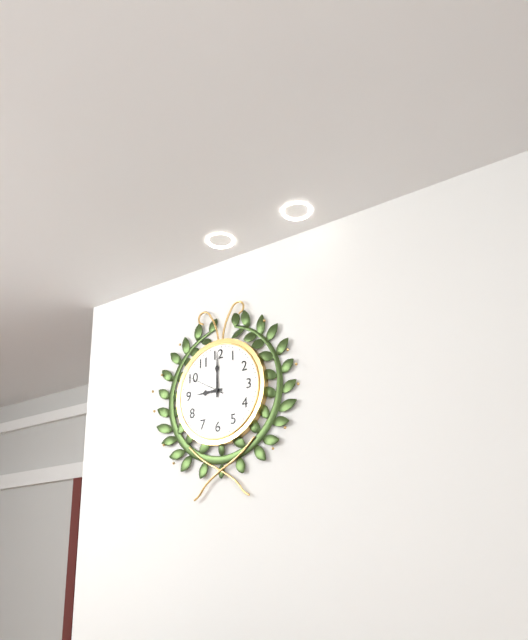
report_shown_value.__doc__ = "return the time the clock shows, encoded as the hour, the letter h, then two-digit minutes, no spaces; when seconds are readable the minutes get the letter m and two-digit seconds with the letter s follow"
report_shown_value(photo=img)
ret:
9h00
